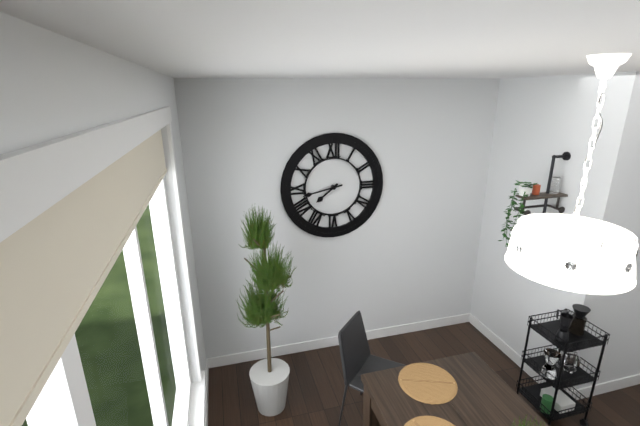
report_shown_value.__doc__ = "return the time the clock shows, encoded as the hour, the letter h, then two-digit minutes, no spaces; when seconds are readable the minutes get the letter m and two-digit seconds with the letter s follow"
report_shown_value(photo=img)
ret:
7h43
